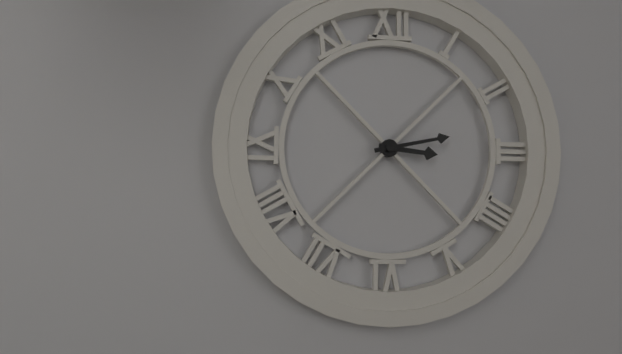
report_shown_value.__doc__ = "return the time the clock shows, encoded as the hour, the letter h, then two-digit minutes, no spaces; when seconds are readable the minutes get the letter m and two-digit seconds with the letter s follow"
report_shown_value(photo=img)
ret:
3h13
